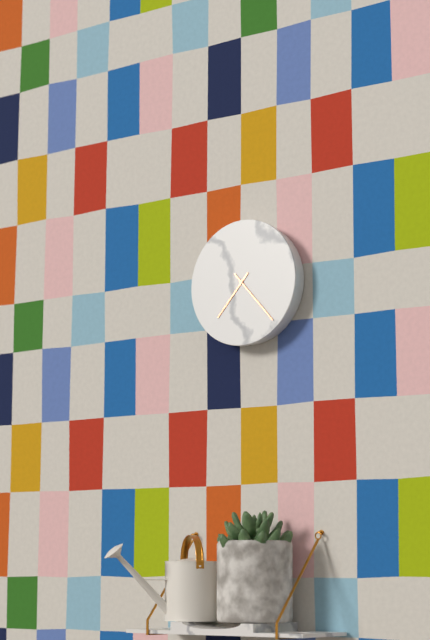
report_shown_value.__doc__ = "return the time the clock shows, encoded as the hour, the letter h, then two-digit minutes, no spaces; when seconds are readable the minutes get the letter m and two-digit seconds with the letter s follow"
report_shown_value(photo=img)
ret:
7h23
